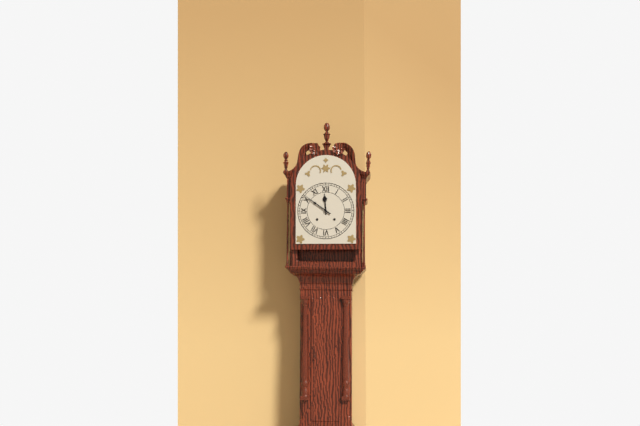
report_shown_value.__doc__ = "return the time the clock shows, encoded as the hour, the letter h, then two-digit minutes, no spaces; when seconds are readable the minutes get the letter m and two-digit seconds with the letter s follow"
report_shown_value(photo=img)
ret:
11h51
